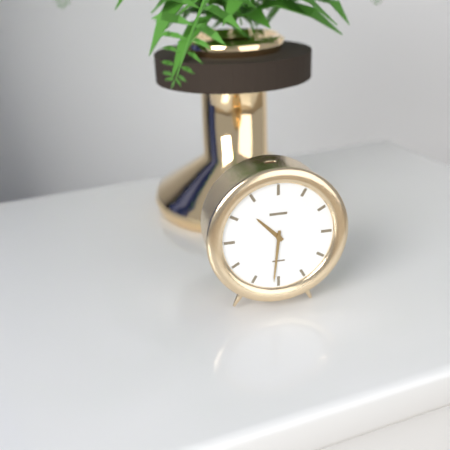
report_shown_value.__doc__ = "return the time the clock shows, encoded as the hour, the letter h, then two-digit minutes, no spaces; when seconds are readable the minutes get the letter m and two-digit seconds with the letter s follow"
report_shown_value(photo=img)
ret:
10h31
